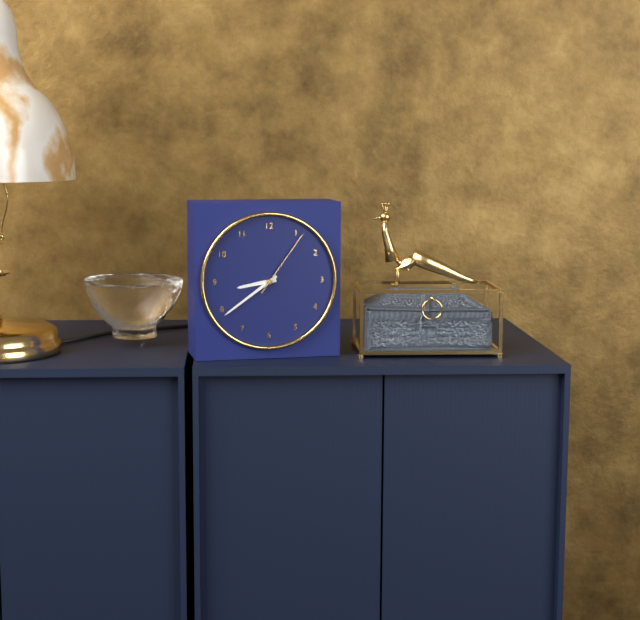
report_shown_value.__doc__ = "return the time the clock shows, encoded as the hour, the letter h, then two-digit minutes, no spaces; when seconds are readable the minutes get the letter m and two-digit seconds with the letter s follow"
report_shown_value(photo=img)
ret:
8h39m06s
